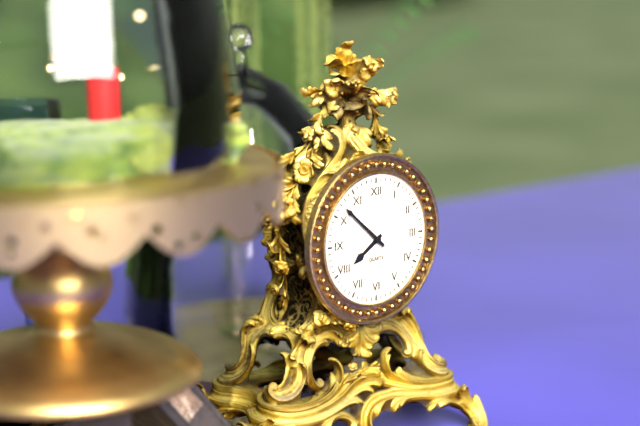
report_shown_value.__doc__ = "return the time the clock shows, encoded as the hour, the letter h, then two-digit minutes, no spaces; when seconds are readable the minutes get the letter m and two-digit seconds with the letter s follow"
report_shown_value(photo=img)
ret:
7h52
